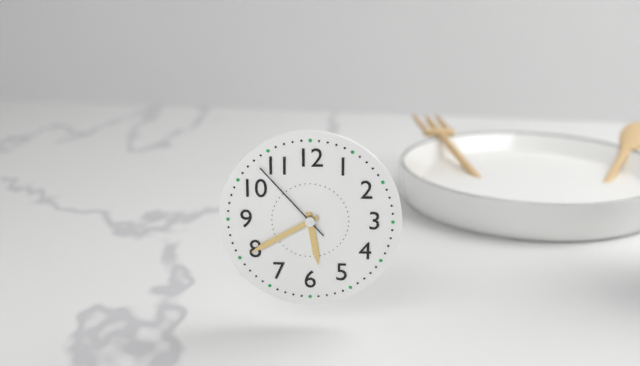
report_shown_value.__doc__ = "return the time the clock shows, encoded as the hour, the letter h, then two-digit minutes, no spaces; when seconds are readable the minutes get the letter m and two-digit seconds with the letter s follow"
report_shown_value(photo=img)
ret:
5h40m53s
